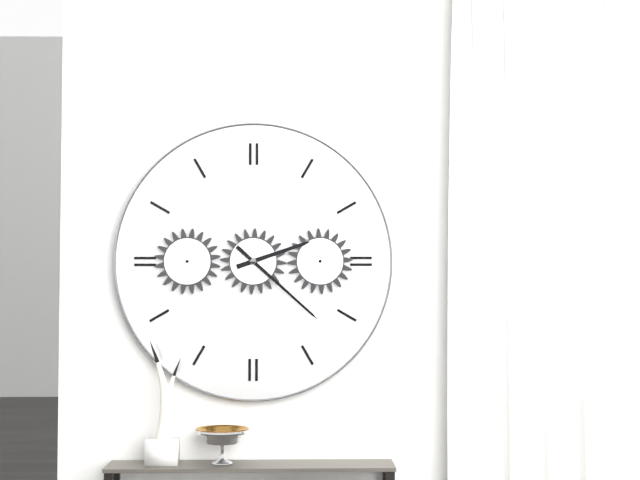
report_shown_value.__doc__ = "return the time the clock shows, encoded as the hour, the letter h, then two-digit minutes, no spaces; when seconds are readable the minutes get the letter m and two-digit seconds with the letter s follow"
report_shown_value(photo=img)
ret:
2h22
